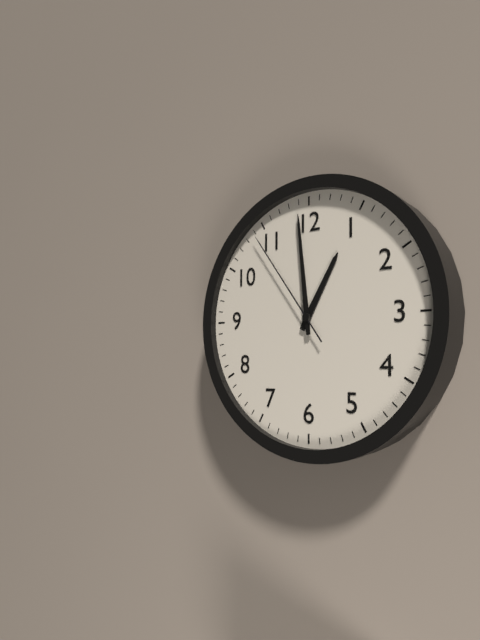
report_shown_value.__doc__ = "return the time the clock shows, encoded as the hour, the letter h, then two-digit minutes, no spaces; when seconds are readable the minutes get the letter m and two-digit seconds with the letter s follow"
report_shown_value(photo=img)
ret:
12h59m54s
